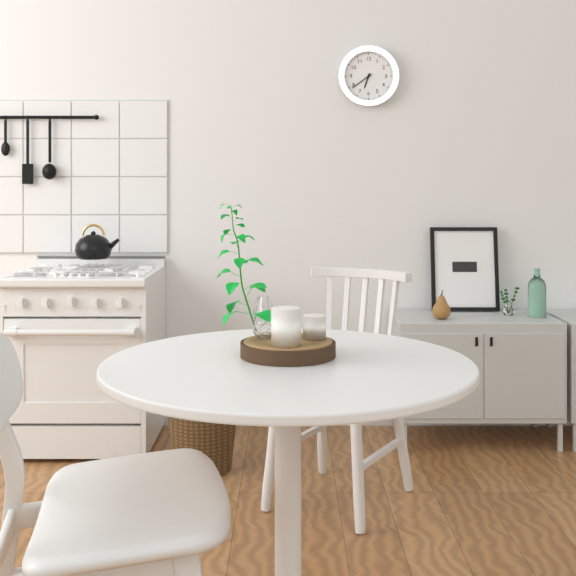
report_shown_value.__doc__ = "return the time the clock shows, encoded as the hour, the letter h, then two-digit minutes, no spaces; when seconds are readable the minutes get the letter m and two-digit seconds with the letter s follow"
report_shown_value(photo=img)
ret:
6h39
